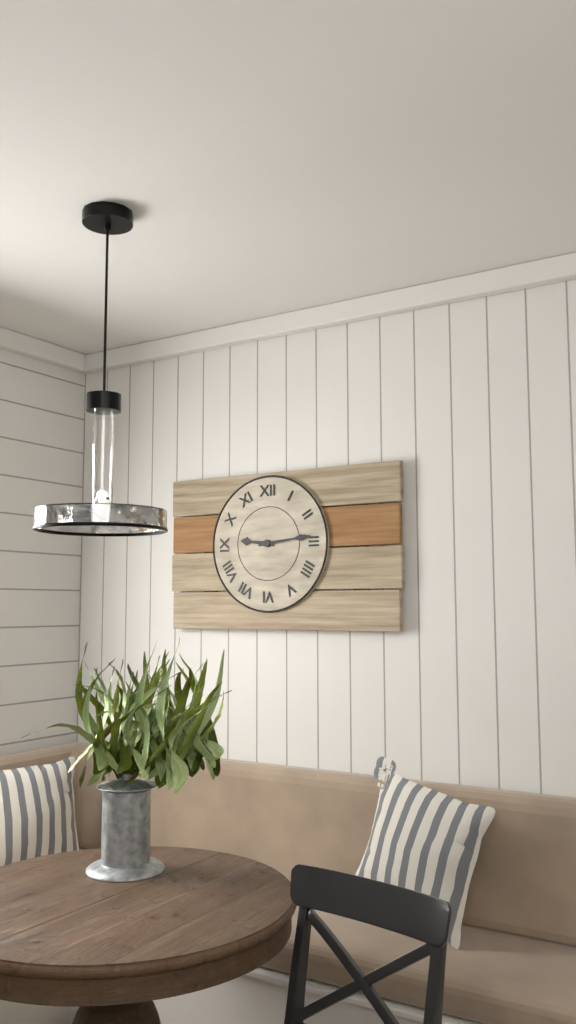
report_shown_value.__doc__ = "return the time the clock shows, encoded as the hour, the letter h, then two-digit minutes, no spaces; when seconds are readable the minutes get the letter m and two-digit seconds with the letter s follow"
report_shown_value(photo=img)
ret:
9h14
